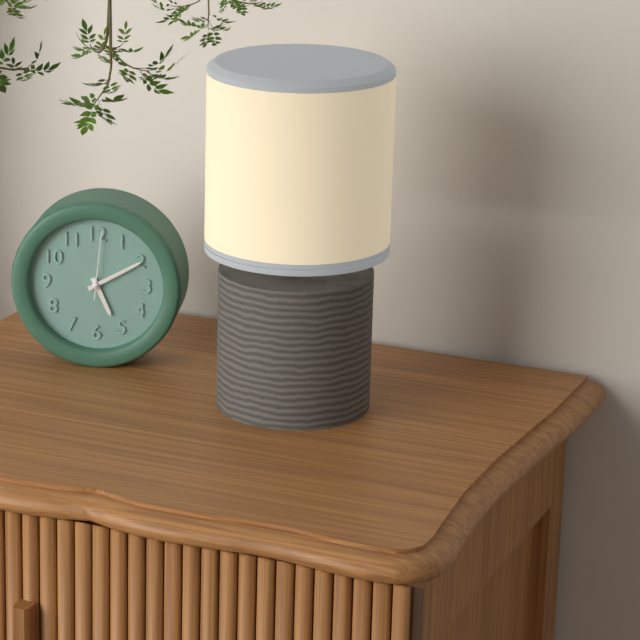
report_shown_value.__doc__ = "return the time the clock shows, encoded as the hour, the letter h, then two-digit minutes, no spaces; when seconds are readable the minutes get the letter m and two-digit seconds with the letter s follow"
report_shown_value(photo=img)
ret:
5h10m01s
